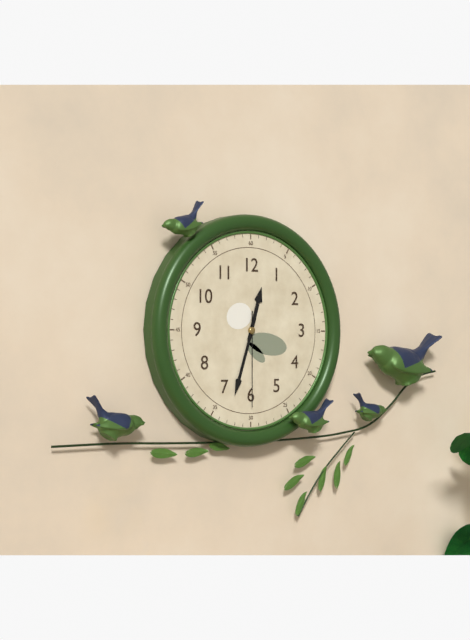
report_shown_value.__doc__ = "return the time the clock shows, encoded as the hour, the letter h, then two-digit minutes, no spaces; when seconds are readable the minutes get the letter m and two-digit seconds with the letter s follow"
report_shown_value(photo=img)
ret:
12h33m30s
